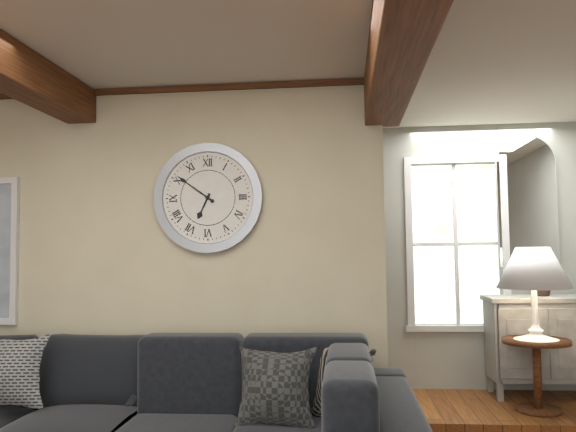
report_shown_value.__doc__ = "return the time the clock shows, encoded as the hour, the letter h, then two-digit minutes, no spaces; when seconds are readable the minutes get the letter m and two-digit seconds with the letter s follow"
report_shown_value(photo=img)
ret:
6h51
